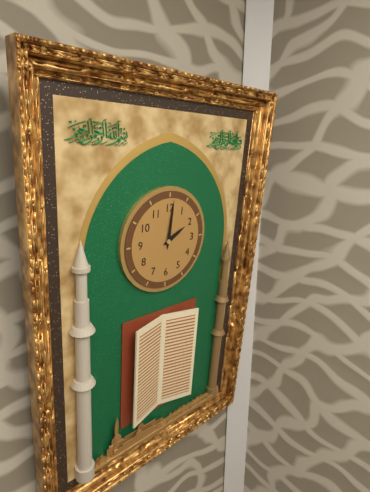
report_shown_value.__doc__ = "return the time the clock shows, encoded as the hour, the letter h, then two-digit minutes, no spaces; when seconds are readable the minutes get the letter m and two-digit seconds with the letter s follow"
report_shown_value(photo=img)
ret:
2h01
